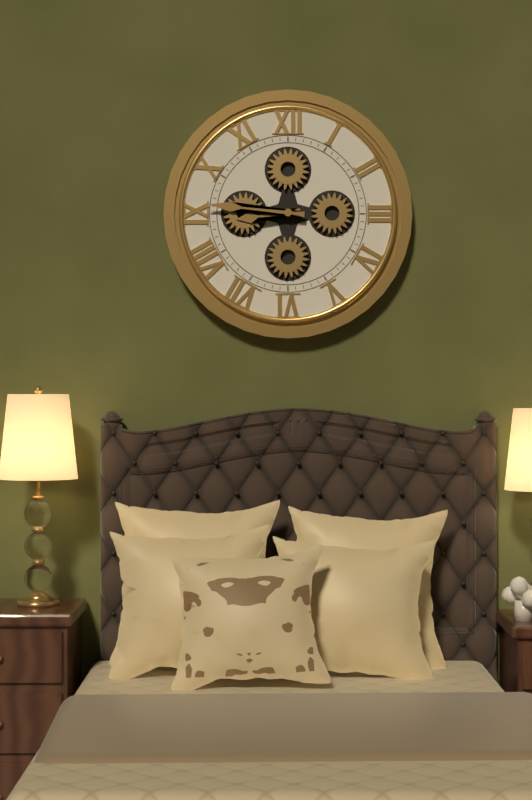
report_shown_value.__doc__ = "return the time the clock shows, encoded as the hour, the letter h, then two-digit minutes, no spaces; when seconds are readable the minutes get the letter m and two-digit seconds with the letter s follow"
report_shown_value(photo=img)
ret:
8h46
